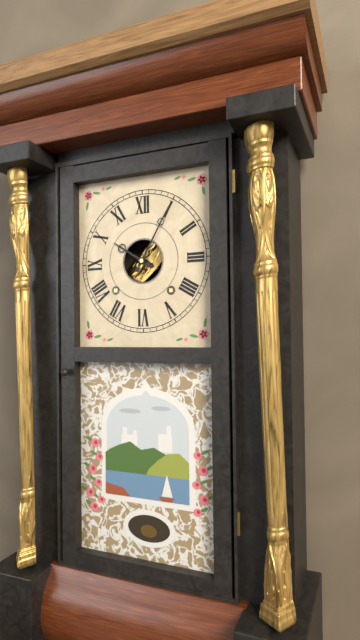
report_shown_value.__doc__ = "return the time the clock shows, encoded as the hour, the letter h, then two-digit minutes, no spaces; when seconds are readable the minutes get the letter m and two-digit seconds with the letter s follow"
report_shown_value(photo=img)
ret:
10h05
